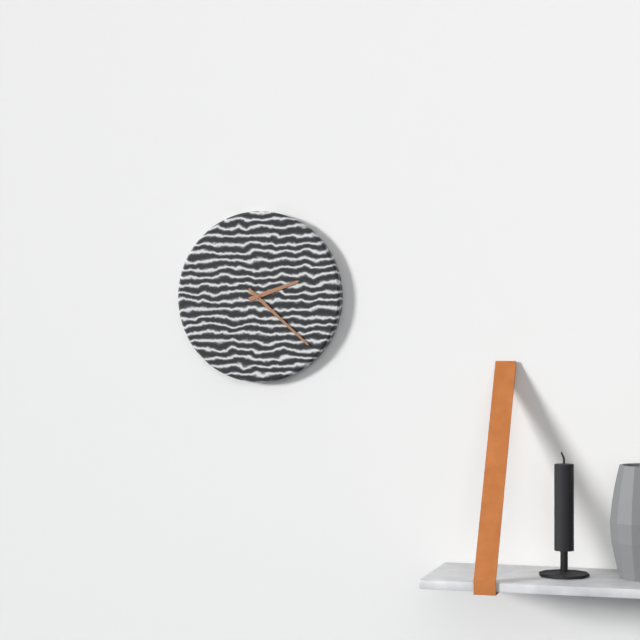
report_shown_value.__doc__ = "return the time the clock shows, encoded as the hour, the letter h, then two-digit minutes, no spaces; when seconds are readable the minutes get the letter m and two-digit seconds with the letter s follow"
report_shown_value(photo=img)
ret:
2h22
